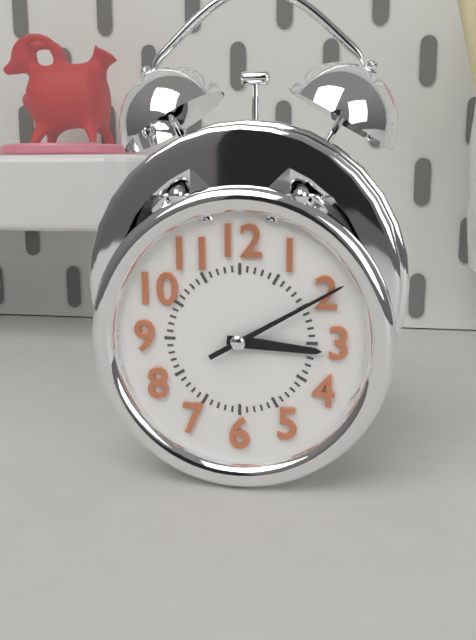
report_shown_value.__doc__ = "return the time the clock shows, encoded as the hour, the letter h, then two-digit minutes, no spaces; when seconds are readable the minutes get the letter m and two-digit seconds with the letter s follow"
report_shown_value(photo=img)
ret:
3h10
